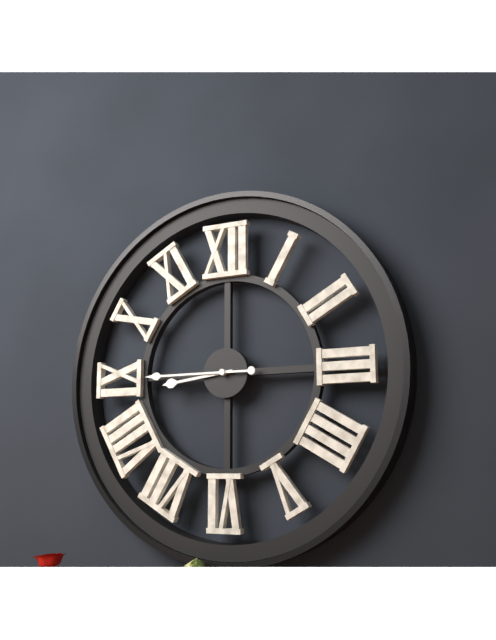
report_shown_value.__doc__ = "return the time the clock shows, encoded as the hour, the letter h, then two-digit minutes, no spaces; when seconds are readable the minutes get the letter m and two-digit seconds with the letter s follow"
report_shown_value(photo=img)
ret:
8h45
